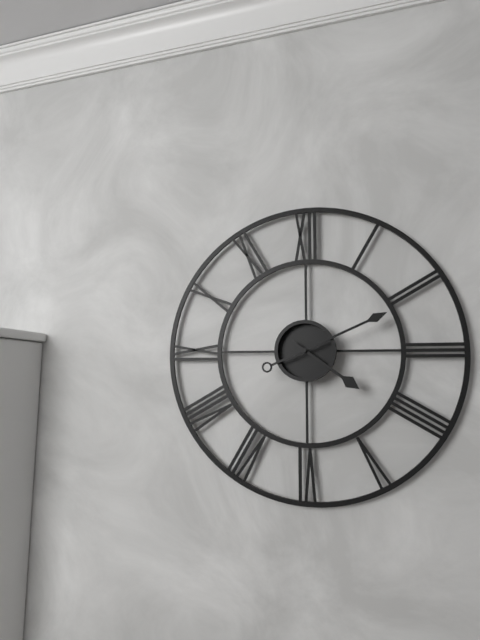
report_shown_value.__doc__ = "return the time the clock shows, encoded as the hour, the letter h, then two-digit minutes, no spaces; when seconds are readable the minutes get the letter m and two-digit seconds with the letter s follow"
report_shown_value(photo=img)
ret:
4h11
